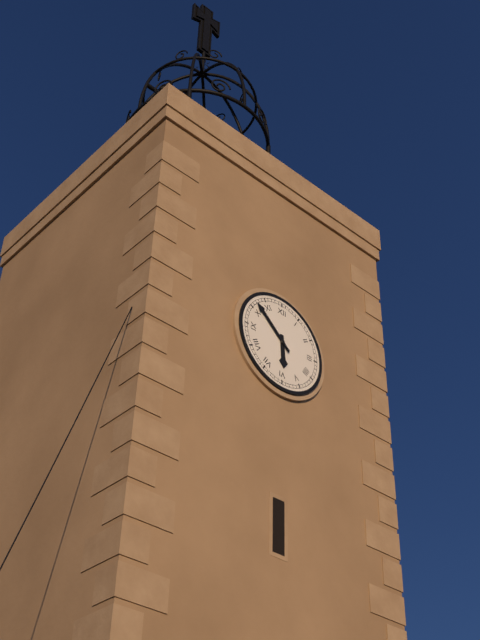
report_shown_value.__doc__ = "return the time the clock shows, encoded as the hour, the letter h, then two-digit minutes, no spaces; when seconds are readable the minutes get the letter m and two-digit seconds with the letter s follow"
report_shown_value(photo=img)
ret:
5h52
